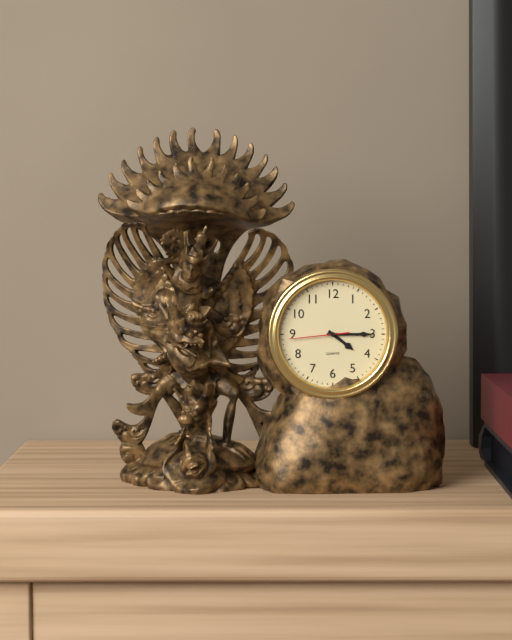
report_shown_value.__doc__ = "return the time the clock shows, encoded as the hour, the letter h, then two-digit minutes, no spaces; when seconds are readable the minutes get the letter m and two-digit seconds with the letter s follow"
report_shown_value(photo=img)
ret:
4h15m44s
